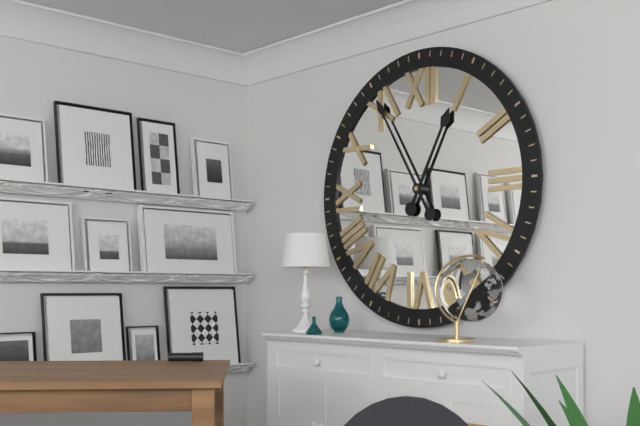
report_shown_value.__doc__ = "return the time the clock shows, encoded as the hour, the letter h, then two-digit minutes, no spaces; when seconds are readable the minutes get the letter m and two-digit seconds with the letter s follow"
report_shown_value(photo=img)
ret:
12h55
